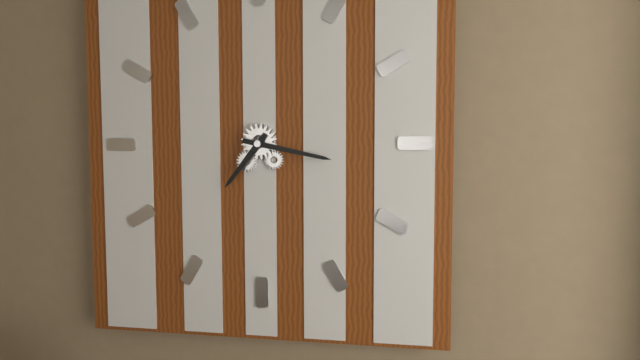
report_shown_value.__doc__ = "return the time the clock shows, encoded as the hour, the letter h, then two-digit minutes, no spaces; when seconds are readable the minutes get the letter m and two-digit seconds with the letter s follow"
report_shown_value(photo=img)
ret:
7h17
